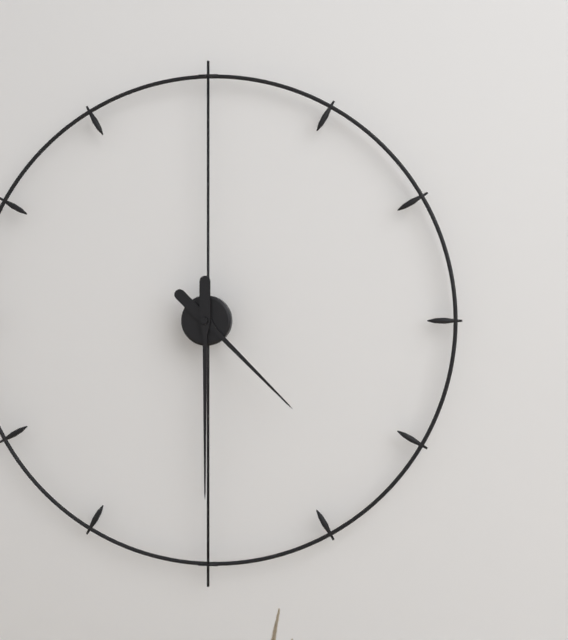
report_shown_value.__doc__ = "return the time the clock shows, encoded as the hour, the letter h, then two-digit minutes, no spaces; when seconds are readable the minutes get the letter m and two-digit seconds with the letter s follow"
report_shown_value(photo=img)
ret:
4h30
